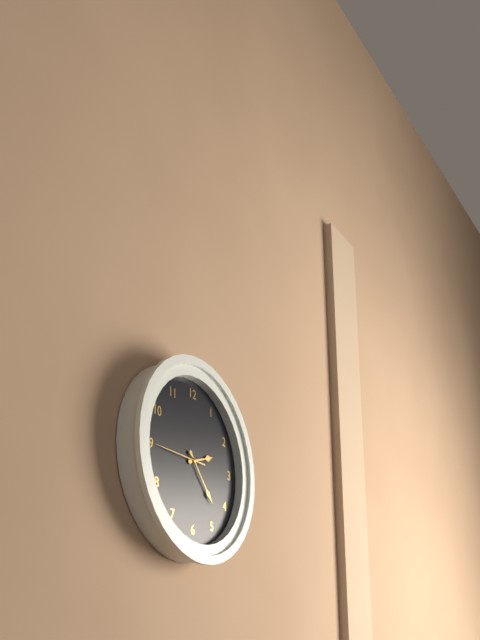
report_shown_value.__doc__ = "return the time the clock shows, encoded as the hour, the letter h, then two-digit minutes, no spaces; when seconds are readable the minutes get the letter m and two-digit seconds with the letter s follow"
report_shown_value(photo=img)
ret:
2h23m45s
